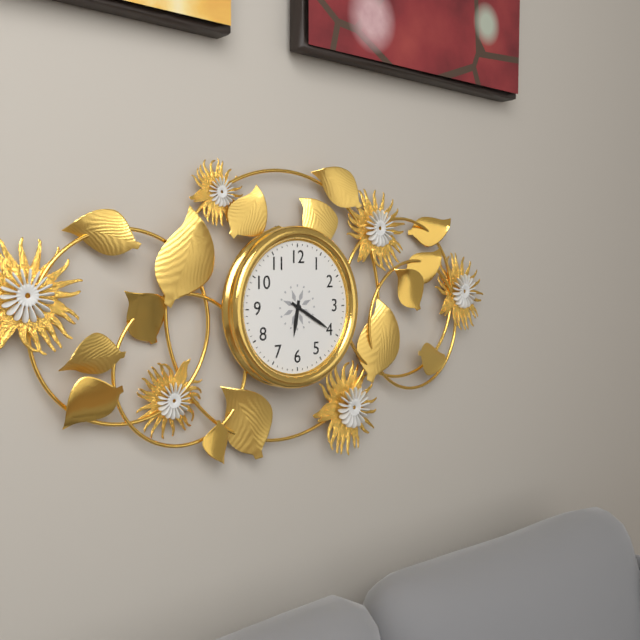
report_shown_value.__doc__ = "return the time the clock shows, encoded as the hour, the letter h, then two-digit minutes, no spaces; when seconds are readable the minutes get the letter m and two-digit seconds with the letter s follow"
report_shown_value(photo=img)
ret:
6h20
